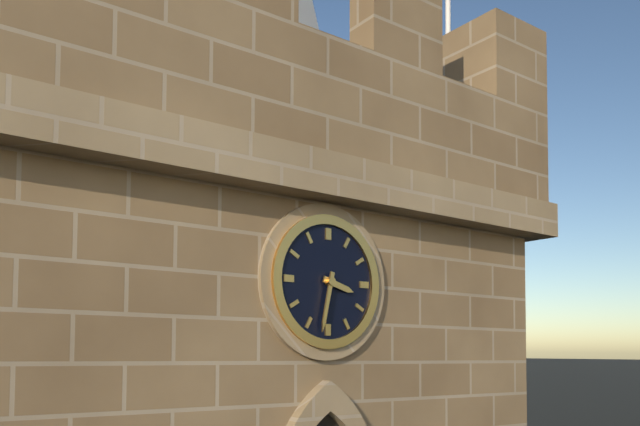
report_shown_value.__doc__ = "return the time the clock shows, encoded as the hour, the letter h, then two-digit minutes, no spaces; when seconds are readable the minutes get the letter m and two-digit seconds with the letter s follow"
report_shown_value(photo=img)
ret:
3h32
